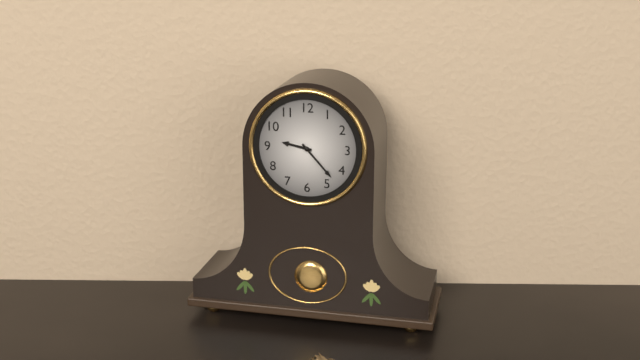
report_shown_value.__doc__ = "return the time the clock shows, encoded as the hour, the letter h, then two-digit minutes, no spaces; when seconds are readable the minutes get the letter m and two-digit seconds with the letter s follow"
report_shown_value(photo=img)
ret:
9h23
